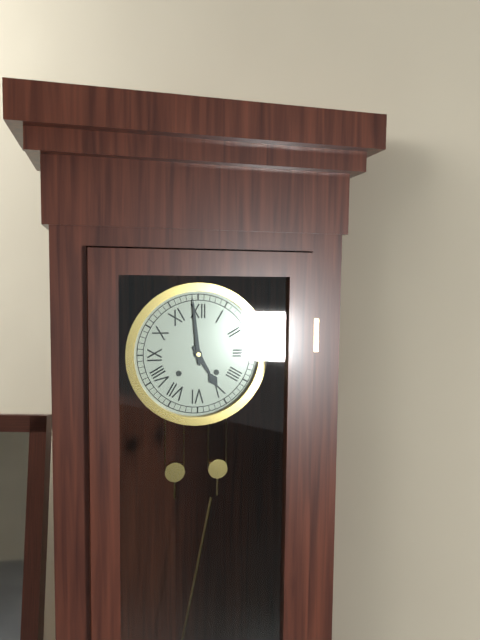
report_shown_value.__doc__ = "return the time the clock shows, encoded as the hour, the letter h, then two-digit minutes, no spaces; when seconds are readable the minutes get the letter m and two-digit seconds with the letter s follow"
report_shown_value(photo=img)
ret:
4h59
